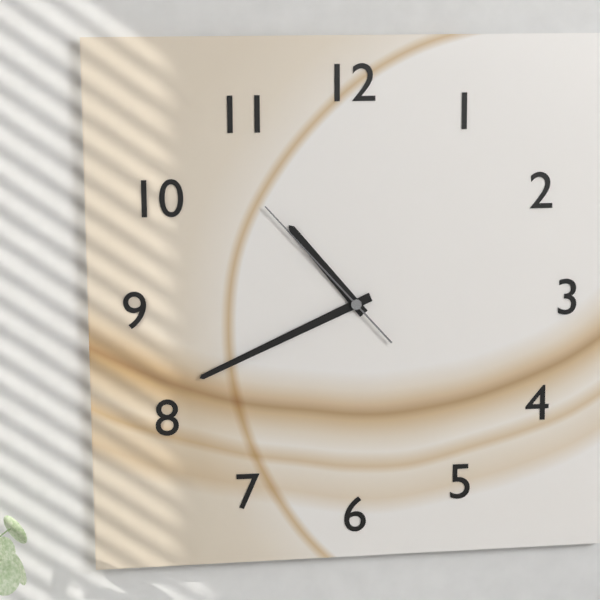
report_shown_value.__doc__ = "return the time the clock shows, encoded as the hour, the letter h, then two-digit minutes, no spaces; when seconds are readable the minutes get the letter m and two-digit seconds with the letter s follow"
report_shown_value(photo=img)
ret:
10h41m53s
